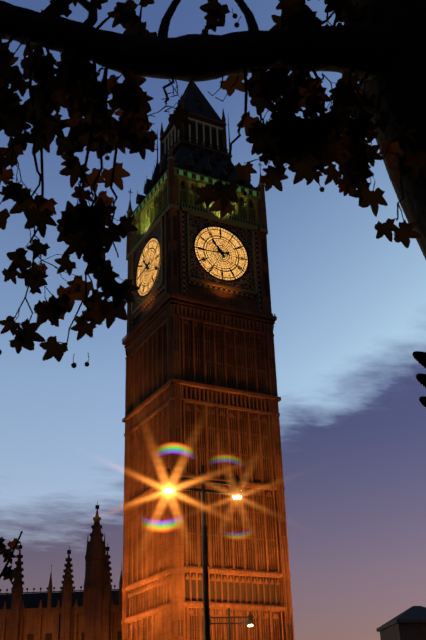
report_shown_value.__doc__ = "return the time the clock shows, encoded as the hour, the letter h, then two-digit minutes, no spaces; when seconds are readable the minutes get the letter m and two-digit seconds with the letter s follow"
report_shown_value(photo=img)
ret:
10h44
